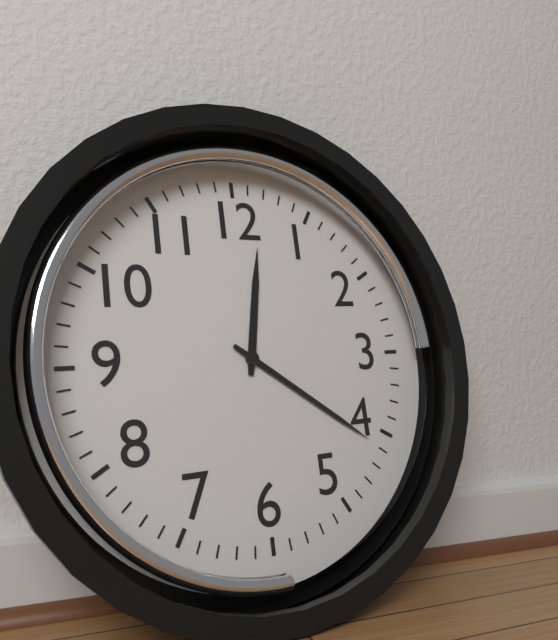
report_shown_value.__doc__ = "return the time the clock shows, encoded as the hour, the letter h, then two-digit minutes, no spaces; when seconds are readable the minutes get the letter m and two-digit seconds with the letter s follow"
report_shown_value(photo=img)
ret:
12h21
